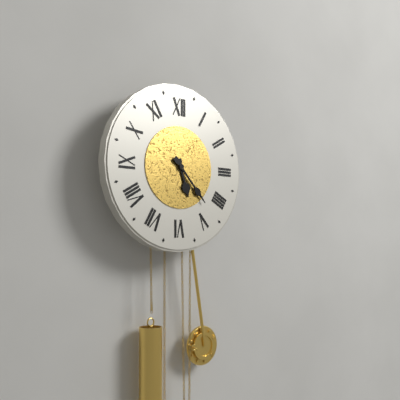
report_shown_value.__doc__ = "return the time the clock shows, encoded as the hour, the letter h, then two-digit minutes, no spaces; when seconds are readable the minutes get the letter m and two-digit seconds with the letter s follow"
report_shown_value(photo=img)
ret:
5h23
